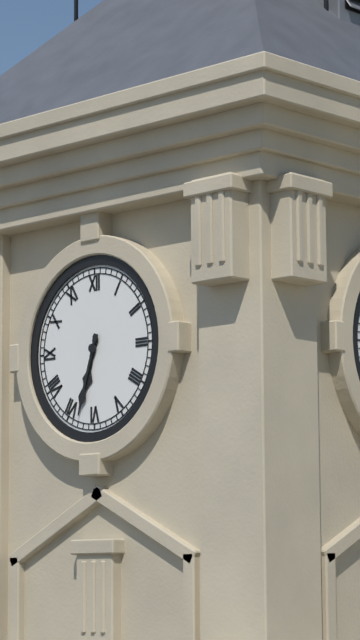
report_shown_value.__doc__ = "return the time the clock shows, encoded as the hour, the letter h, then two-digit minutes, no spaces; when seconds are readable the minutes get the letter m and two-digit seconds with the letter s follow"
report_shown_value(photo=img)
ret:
6h33
